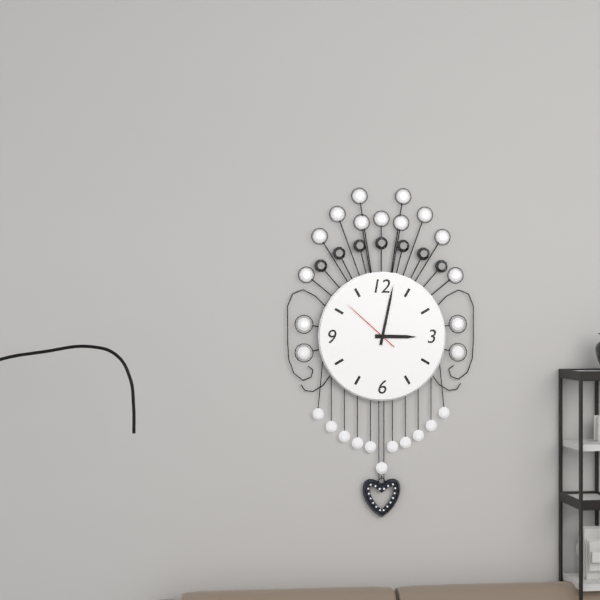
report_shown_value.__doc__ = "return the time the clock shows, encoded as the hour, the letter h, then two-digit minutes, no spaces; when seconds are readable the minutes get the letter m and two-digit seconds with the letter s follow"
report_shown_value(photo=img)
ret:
3h02m52s
